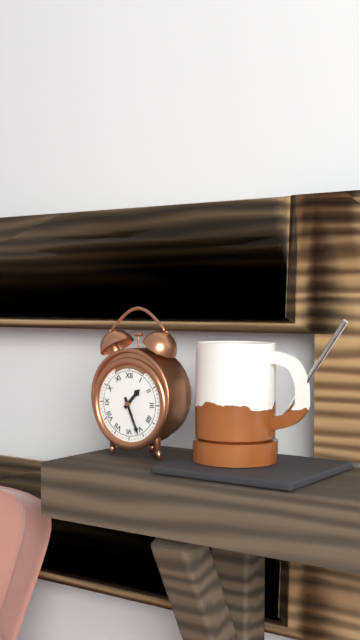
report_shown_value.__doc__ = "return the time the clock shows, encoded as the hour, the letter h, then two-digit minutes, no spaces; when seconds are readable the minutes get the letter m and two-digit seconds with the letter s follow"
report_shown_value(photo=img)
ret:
1h26
